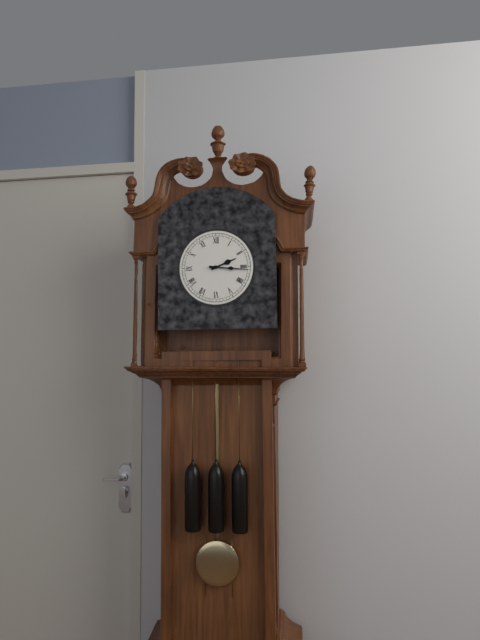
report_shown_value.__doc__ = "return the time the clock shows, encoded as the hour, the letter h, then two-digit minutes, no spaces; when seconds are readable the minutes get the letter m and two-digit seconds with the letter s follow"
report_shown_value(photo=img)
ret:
2h16
